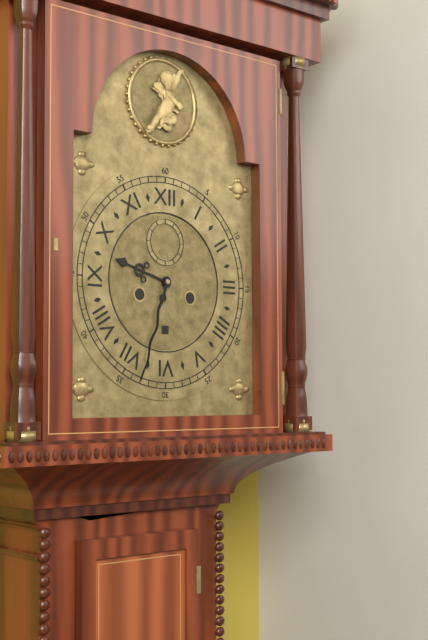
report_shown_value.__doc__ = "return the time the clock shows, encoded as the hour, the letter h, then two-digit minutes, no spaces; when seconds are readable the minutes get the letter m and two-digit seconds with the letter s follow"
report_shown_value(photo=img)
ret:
9h33
